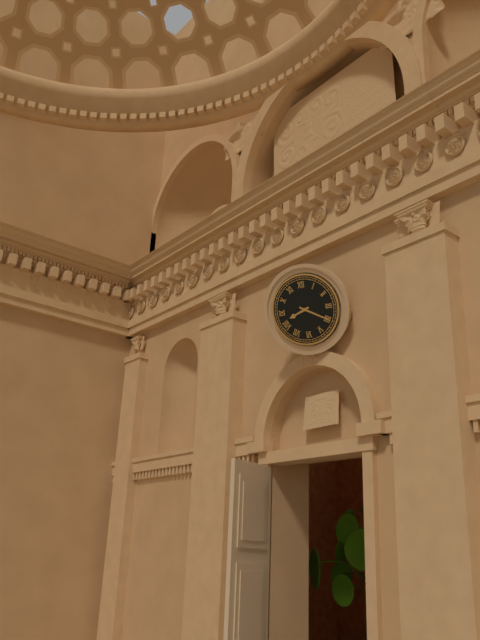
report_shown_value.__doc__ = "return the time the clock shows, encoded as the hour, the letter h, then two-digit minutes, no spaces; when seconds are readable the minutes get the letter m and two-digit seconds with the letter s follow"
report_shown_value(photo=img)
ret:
8h20
